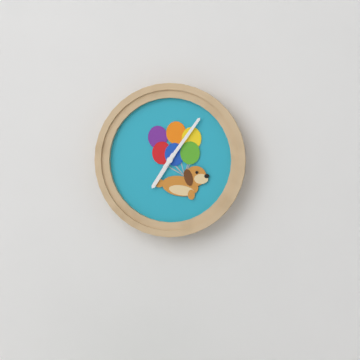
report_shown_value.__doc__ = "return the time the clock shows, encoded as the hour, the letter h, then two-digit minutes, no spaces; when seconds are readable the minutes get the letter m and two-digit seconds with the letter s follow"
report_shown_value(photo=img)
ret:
7h06
